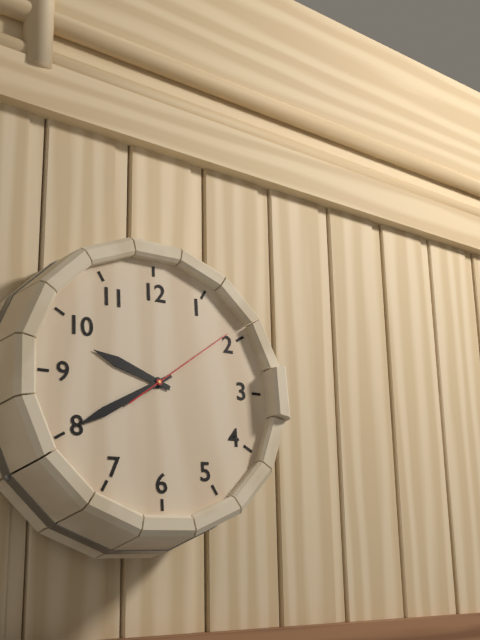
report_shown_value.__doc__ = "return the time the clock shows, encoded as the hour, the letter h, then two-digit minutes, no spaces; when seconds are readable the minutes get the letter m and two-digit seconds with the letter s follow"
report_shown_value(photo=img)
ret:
9h40m09s
